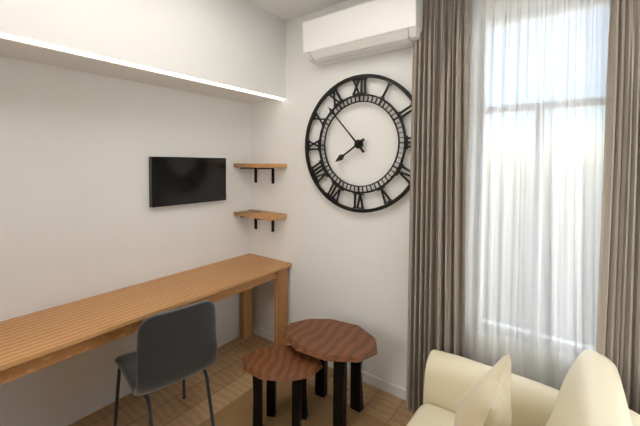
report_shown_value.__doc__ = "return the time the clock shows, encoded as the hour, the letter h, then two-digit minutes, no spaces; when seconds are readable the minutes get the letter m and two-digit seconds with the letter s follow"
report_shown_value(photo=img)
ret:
7h53
